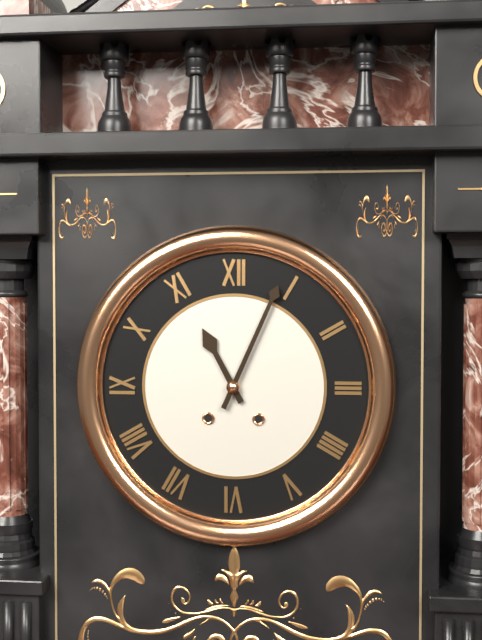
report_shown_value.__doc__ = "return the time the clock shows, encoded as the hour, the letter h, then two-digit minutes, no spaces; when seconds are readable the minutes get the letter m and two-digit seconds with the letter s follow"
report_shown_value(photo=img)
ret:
11h04
